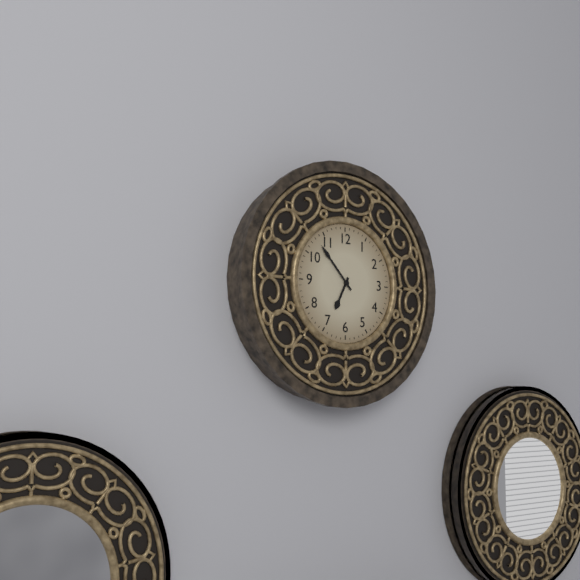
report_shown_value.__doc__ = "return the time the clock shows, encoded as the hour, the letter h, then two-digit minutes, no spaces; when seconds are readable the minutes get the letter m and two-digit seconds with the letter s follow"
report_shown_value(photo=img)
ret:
6h53
